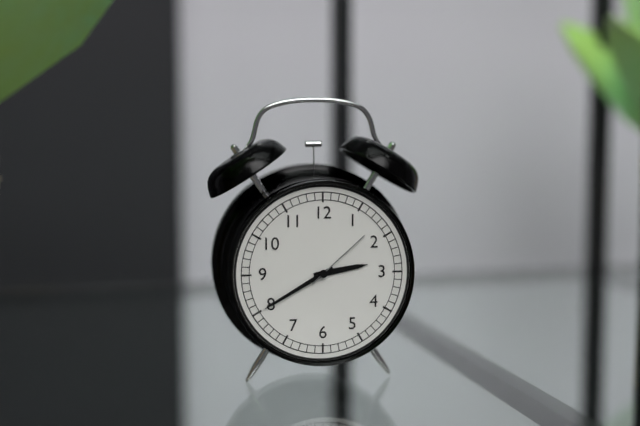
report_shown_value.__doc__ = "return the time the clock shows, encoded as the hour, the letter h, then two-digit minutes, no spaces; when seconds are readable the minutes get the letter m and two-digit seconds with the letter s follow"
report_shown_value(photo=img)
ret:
2h40m08s
